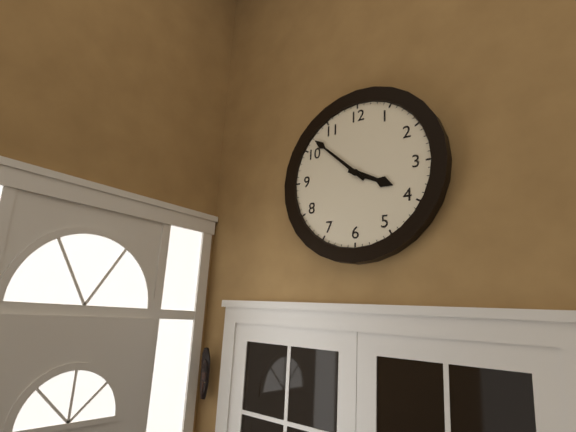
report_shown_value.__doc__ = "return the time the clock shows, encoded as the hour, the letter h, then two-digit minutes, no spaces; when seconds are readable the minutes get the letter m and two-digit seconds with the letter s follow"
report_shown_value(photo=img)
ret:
3h52
